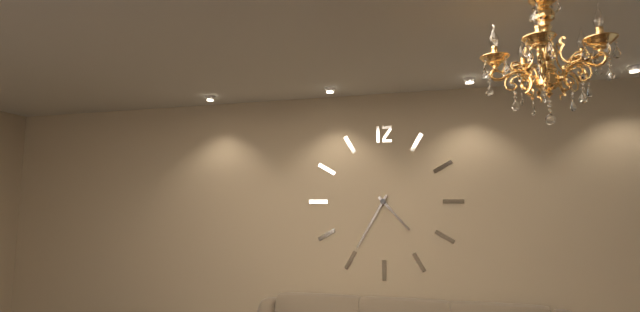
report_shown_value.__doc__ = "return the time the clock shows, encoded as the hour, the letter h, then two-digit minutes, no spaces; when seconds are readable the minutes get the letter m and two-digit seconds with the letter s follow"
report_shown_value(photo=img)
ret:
4h35
